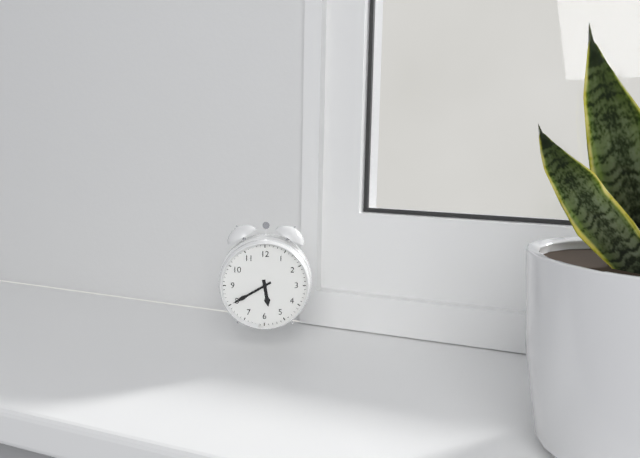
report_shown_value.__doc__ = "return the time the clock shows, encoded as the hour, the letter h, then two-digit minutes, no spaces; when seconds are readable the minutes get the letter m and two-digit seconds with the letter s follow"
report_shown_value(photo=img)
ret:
5h40
